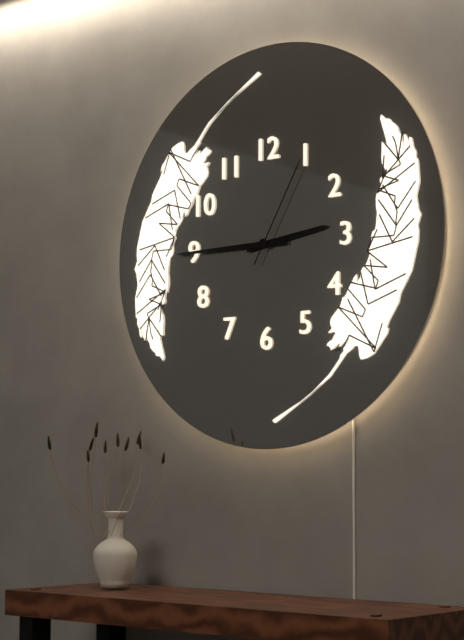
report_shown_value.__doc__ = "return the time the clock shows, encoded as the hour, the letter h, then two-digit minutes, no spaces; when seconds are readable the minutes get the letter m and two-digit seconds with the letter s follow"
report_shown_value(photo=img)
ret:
2h45m05s
